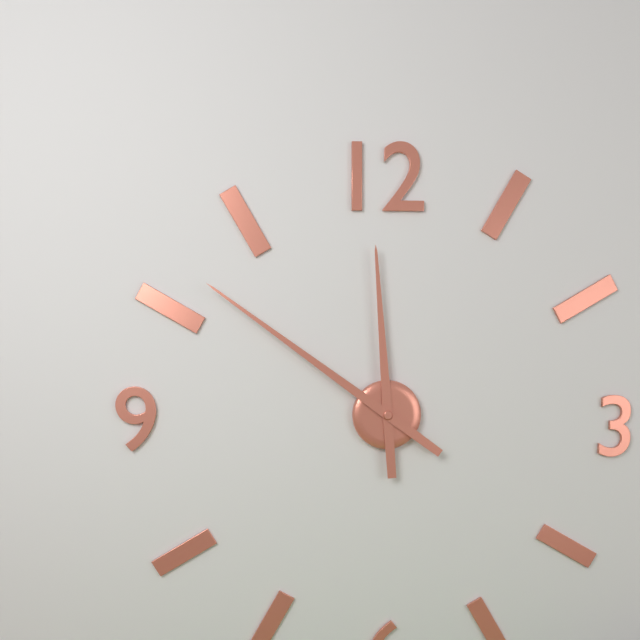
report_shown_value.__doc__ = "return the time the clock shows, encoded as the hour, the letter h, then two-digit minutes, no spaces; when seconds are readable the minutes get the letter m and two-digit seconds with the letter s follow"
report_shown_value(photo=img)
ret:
11h51
